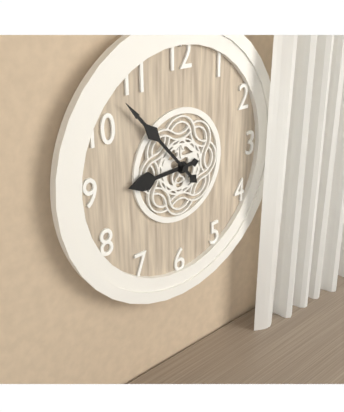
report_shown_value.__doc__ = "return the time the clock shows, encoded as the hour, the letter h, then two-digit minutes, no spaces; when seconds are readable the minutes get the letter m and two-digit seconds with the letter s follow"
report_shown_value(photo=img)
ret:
8h53
